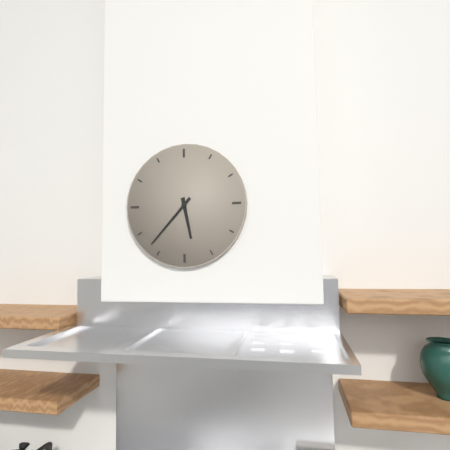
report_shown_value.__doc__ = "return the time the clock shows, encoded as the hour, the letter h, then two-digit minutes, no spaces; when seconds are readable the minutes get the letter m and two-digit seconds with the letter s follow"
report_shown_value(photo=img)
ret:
5h37
